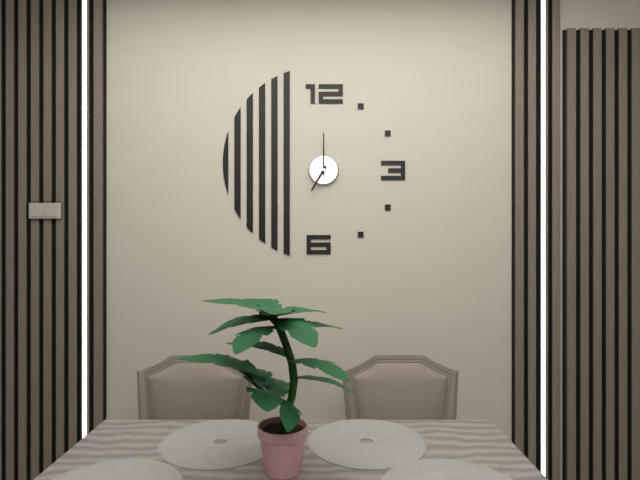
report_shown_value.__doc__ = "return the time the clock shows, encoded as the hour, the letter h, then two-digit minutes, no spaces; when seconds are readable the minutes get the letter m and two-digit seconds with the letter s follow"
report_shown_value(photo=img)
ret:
7h00
